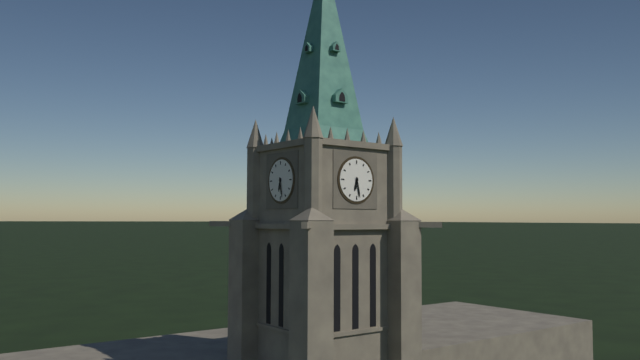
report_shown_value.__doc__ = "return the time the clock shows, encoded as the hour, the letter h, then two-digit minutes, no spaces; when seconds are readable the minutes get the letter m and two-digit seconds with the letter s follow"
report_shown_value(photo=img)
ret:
6h28
